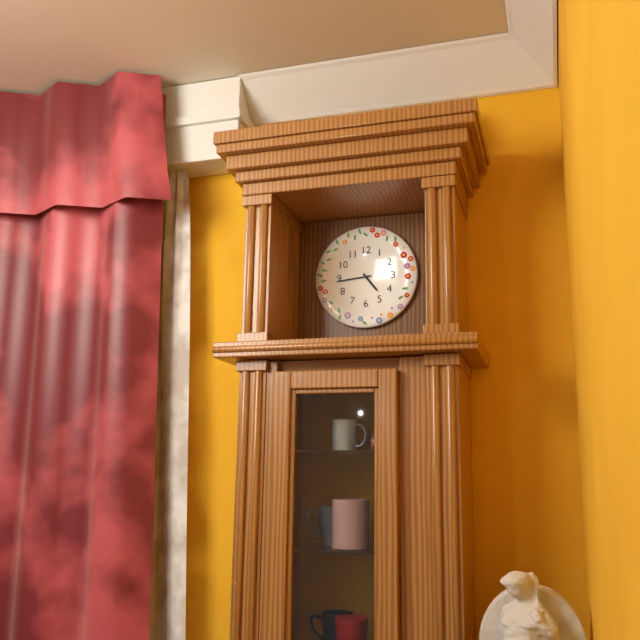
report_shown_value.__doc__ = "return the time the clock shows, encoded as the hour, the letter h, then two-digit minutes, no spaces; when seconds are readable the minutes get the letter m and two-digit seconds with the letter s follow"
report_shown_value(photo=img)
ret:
4h44
